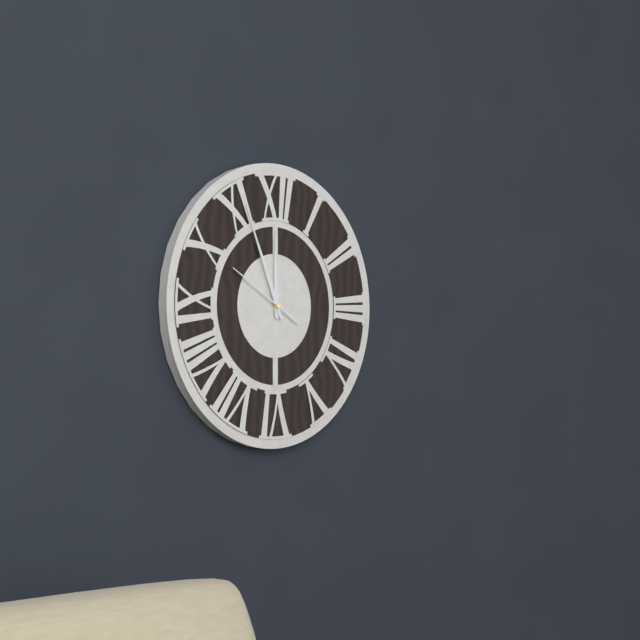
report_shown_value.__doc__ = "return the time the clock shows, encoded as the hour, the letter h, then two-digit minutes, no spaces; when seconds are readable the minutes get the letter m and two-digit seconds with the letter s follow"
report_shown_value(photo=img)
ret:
11h56m50s
